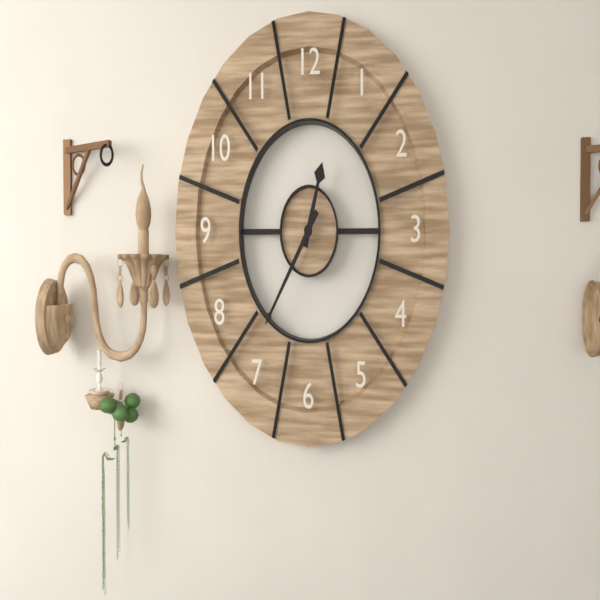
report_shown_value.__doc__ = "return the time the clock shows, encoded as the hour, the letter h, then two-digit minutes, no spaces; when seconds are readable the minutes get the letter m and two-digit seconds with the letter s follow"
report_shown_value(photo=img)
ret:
12h36
